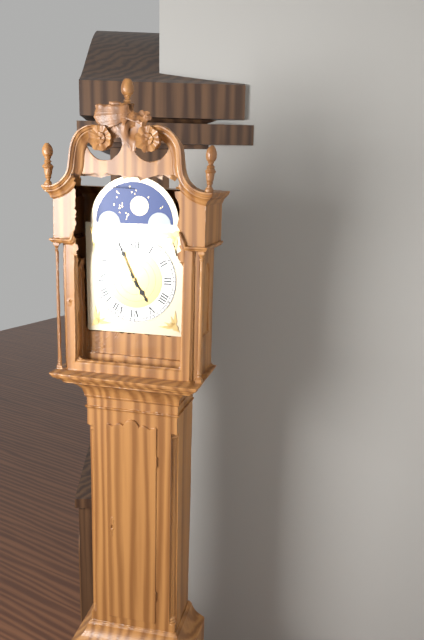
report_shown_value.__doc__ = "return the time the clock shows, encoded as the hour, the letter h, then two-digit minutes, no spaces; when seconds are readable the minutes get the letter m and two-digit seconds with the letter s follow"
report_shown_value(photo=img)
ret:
4h56
